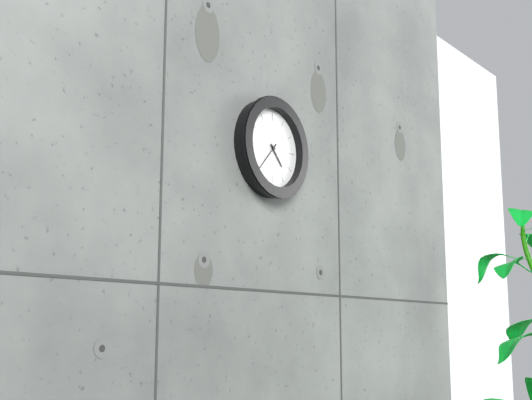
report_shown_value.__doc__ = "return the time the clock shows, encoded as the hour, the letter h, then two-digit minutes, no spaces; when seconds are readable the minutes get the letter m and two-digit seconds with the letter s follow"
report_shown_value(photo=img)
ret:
4h37
